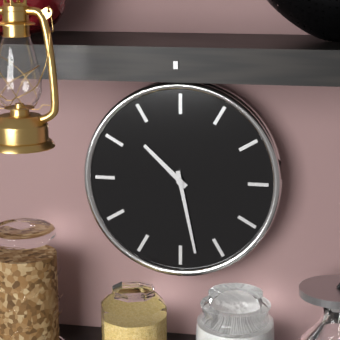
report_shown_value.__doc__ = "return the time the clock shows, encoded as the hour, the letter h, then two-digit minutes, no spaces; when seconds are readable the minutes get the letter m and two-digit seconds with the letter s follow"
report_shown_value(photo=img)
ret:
10h28
